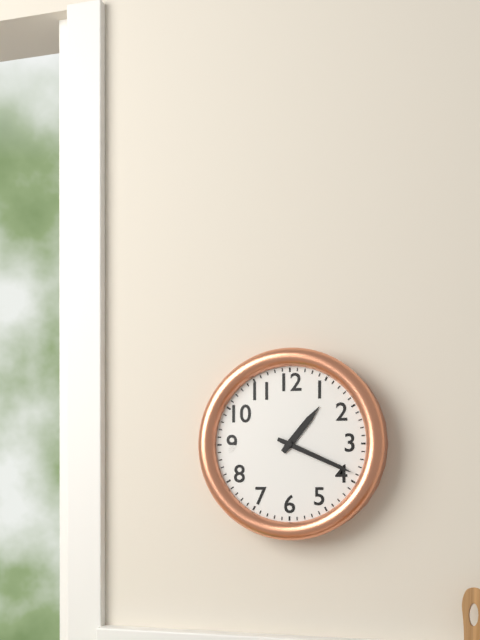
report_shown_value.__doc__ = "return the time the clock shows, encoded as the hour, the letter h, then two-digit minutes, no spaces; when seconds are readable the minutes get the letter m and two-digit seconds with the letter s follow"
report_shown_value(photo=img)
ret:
1h19
